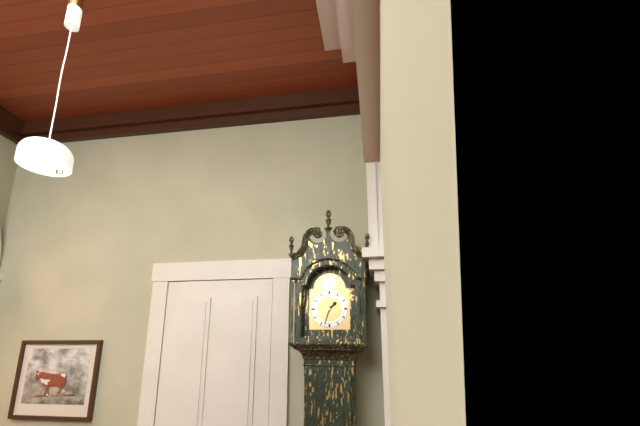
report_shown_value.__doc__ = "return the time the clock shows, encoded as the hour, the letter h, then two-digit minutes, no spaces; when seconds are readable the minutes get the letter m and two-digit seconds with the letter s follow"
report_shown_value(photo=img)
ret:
1h33
